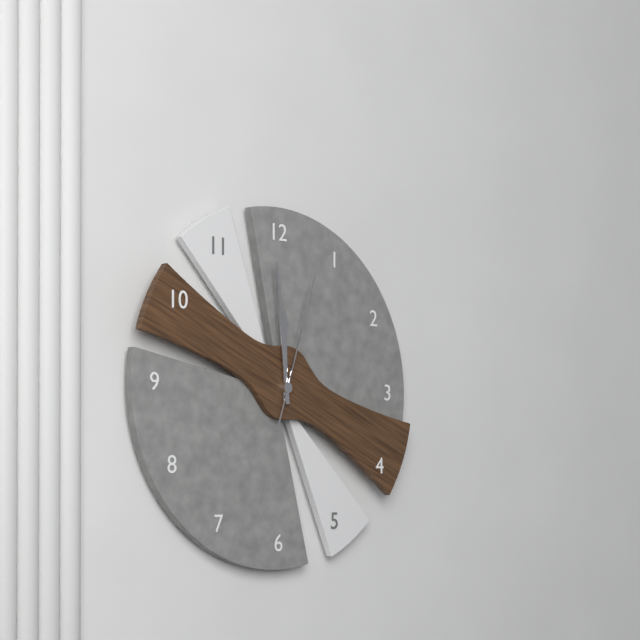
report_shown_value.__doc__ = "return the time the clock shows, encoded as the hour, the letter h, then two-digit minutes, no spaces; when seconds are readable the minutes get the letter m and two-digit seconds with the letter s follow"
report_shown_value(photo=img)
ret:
11h59m03s
